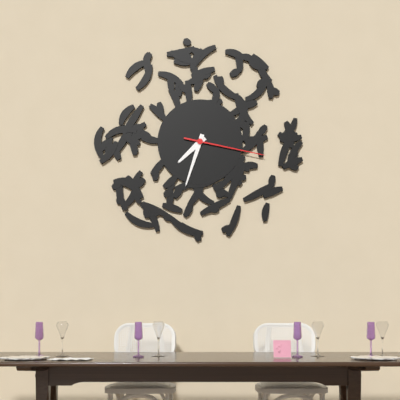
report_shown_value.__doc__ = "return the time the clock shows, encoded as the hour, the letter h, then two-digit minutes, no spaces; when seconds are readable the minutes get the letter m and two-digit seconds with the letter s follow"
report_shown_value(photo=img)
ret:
7h33m17s
